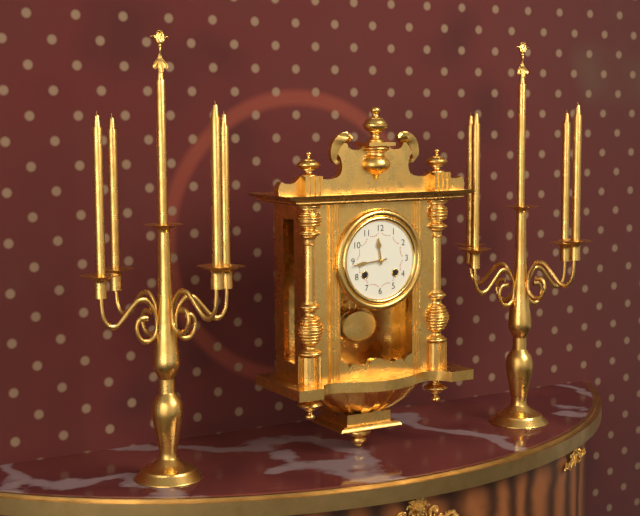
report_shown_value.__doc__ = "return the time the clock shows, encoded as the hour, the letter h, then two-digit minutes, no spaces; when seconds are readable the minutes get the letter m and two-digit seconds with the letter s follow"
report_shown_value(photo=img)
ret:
11h44
